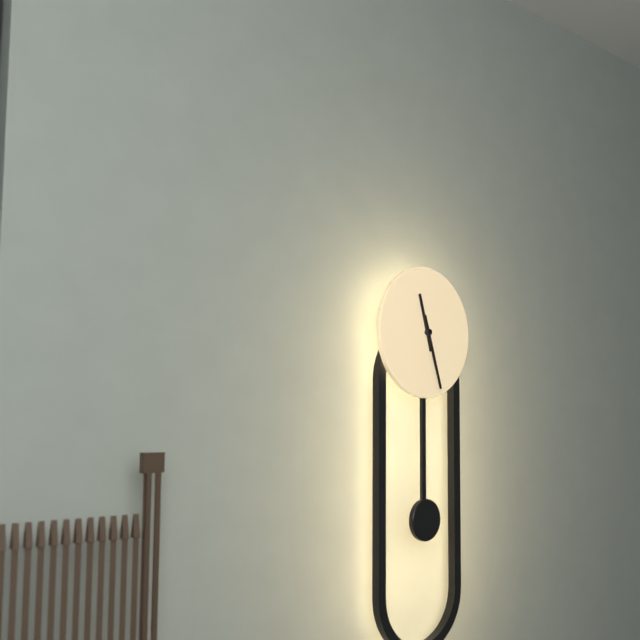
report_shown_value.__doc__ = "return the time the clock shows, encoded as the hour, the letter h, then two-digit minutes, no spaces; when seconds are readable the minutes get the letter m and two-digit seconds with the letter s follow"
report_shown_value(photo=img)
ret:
11h27
